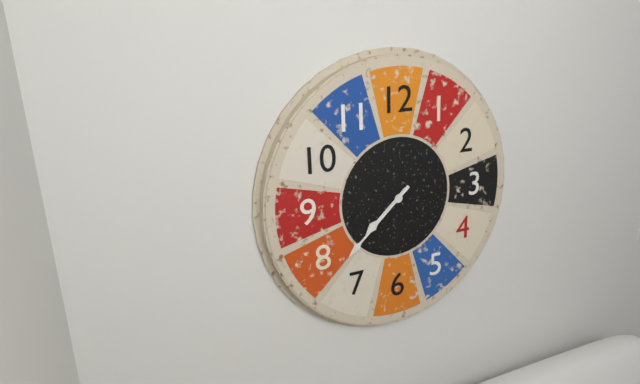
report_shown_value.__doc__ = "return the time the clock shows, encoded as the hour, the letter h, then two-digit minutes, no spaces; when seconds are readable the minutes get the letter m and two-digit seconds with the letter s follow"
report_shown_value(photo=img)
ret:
7h38
